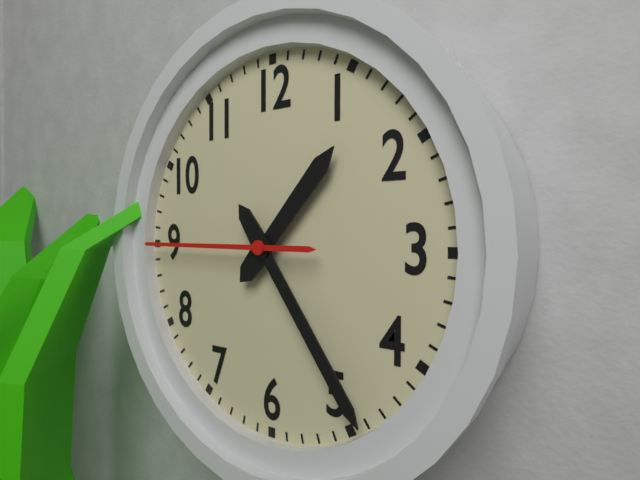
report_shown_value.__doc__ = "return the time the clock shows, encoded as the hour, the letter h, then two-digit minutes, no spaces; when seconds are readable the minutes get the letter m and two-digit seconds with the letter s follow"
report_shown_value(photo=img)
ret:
1h24m45s
